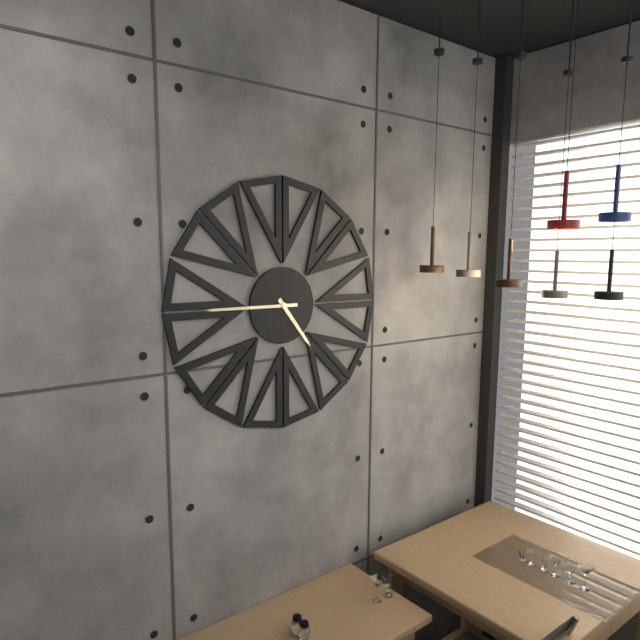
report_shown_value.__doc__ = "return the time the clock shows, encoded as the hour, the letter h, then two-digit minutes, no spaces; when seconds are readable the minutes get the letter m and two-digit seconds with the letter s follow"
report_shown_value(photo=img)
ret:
4h45
